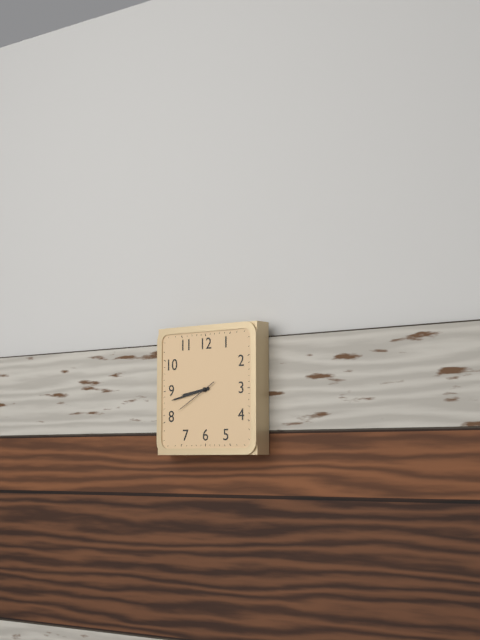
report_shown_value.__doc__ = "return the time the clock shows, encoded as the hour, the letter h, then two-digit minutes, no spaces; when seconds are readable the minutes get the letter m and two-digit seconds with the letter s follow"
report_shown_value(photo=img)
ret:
8h43
